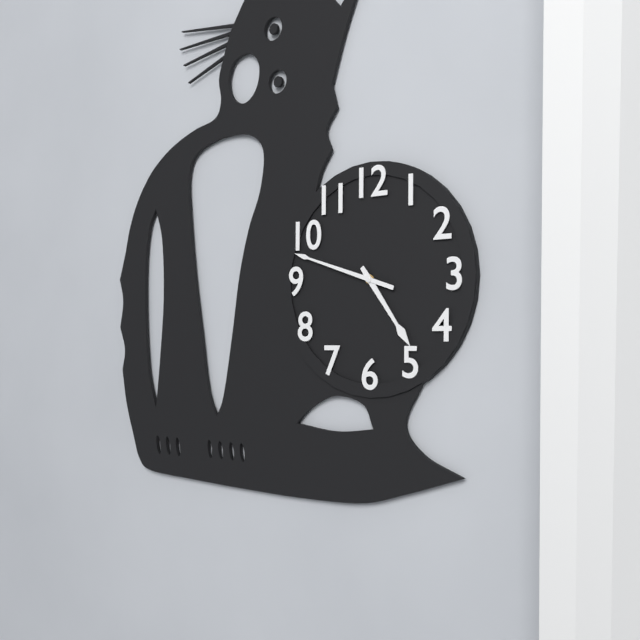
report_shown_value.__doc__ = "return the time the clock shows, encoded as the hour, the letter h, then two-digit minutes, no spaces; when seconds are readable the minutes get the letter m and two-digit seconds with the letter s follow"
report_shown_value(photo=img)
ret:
4h48
